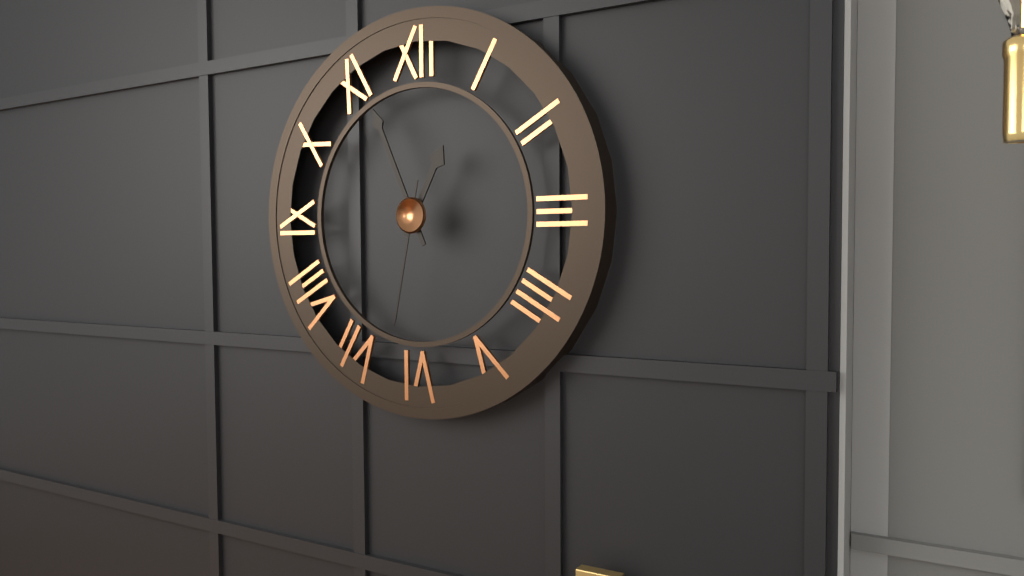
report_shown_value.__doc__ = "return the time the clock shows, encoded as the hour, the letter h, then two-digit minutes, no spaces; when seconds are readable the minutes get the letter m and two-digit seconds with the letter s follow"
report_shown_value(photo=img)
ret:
12h56m32s
